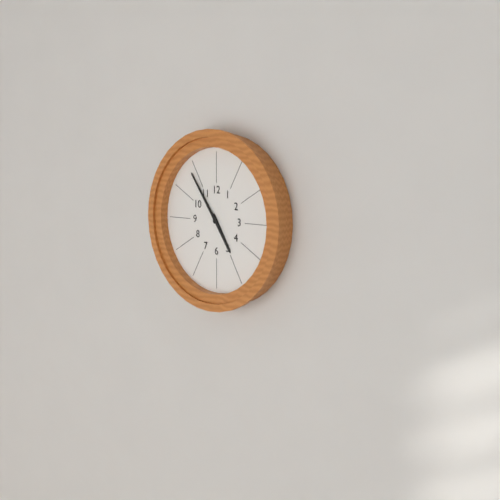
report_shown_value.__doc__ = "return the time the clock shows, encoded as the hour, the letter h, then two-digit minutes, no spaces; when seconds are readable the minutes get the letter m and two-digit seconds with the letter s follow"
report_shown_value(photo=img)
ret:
4h54
